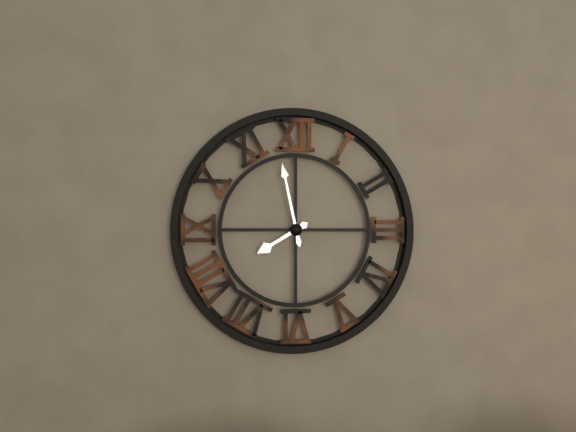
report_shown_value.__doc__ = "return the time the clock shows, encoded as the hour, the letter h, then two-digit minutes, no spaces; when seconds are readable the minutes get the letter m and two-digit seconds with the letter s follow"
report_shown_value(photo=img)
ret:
7h58
